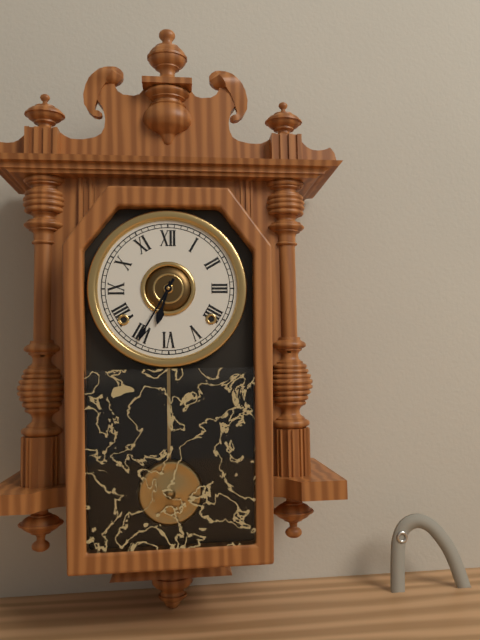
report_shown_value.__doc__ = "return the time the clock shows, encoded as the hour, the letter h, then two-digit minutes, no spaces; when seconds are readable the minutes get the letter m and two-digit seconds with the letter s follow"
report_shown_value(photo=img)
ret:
6h35
